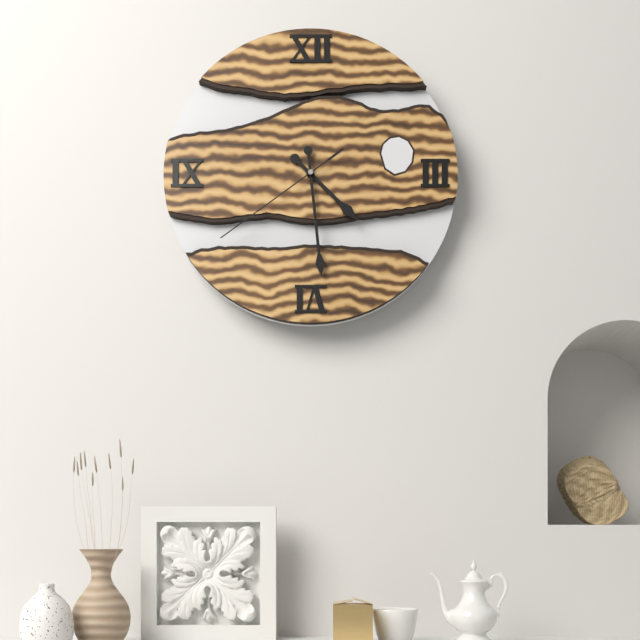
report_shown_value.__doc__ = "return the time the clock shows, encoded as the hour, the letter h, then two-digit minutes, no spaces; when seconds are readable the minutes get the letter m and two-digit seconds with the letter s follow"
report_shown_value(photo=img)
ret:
4h29m39s
